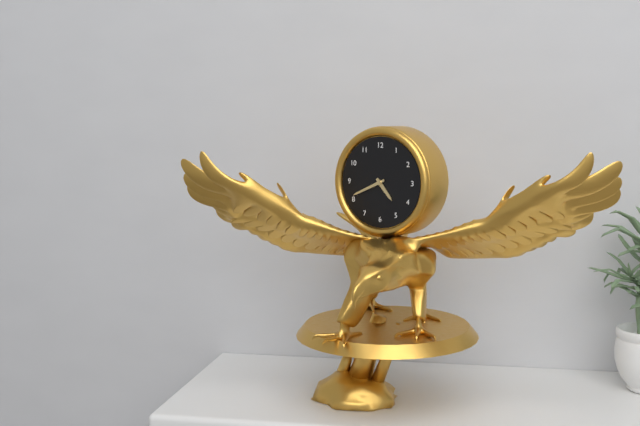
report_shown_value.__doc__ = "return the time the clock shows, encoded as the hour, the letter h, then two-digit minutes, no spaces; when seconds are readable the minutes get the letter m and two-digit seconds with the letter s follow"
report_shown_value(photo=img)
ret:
4h41
